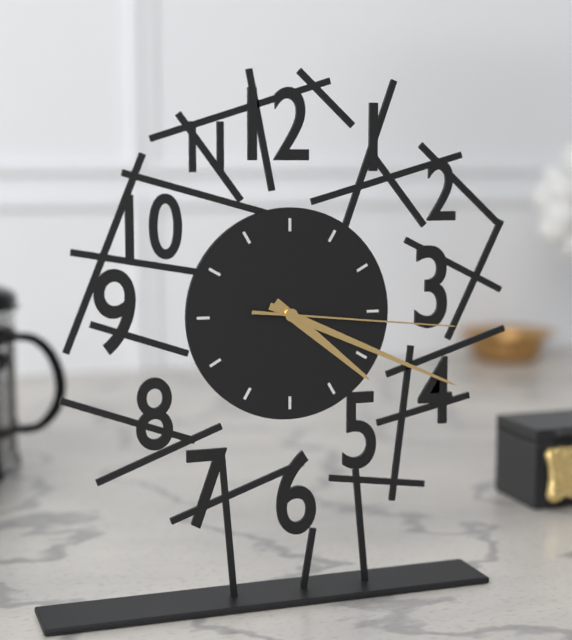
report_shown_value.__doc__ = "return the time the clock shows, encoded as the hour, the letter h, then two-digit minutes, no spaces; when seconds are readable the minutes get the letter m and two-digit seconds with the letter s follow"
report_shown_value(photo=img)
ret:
4h19m16s
